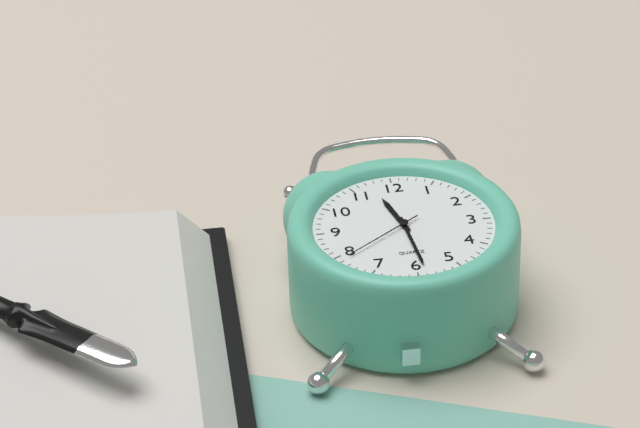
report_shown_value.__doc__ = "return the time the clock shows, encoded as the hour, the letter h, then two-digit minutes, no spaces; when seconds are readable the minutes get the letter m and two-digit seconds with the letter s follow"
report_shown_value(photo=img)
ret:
11h29m39s
